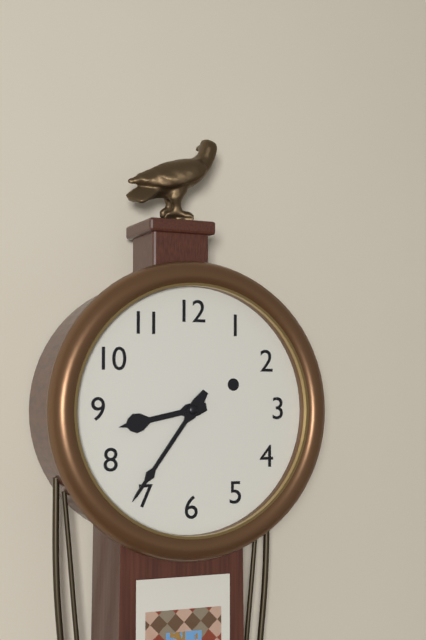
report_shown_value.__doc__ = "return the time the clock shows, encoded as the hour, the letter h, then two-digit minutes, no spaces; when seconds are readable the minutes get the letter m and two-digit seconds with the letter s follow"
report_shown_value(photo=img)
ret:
8h36
